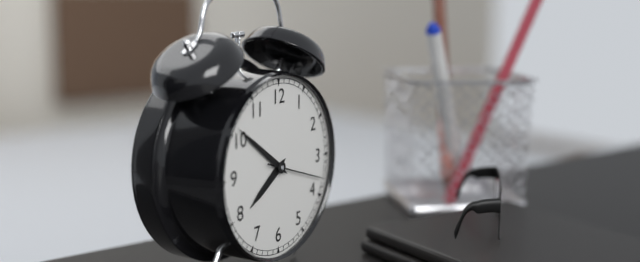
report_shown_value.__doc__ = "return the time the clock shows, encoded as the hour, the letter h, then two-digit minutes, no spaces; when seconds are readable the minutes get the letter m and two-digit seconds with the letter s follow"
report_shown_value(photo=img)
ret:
7h51m18s
